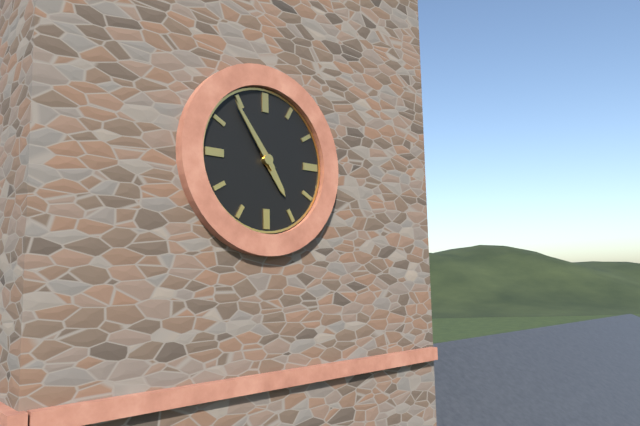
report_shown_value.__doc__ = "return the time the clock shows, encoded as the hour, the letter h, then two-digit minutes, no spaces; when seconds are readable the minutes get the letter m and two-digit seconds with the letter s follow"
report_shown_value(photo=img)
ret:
4h54
